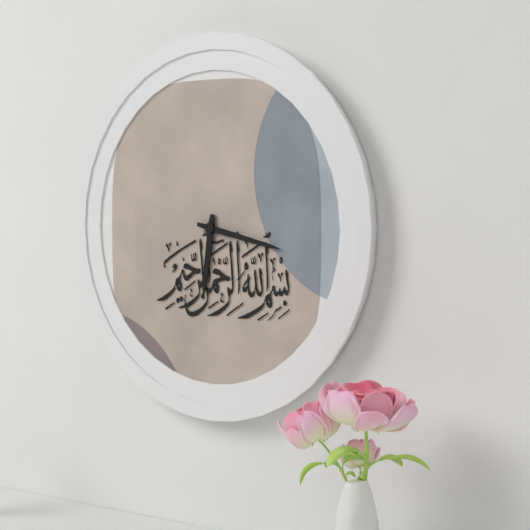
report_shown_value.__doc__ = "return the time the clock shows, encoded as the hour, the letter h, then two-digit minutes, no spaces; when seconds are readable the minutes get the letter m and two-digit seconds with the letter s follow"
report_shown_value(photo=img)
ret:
6h17
